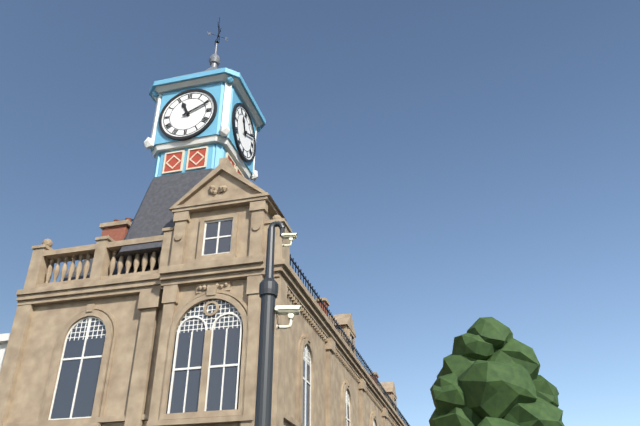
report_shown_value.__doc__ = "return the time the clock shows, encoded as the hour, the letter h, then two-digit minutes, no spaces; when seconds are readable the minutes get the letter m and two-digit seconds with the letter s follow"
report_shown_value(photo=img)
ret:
11h11
